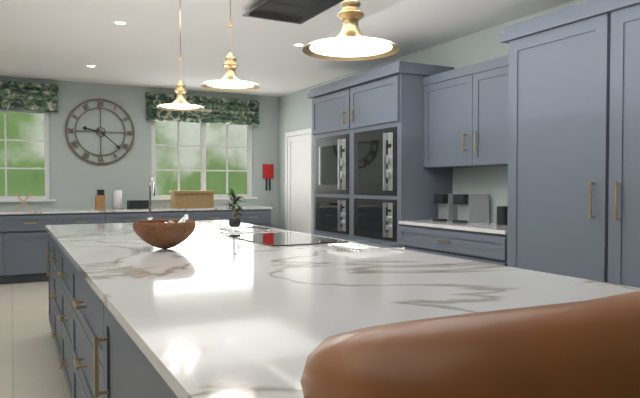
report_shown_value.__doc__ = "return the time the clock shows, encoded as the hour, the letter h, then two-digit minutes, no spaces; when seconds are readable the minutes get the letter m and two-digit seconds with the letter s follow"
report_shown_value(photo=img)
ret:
9h22
